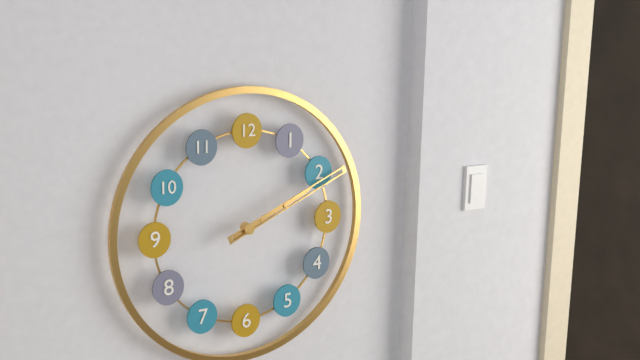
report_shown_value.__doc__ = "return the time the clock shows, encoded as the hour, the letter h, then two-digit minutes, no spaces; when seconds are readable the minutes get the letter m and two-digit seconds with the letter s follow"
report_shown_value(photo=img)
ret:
2h11
